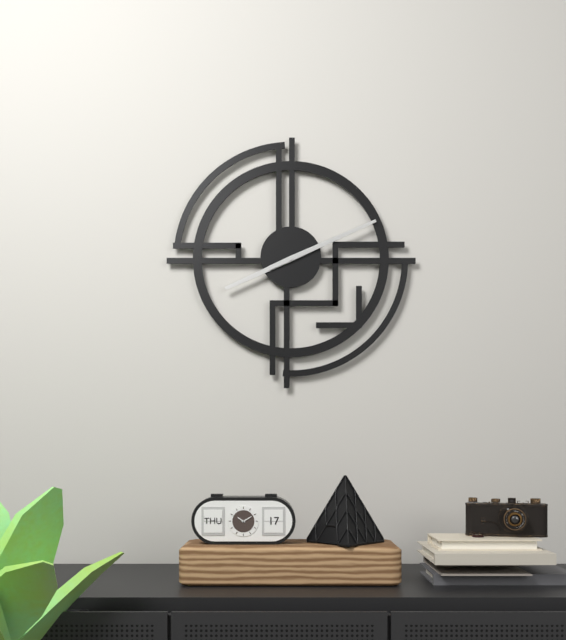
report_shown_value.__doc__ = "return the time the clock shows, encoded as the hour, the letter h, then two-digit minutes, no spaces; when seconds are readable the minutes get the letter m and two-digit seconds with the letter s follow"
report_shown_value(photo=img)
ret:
8h11
